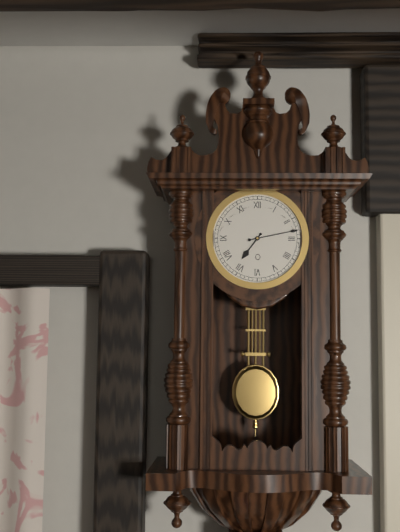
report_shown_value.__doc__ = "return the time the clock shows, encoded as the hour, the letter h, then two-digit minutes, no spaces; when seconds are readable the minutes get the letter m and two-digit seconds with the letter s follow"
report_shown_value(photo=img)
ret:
7h13
